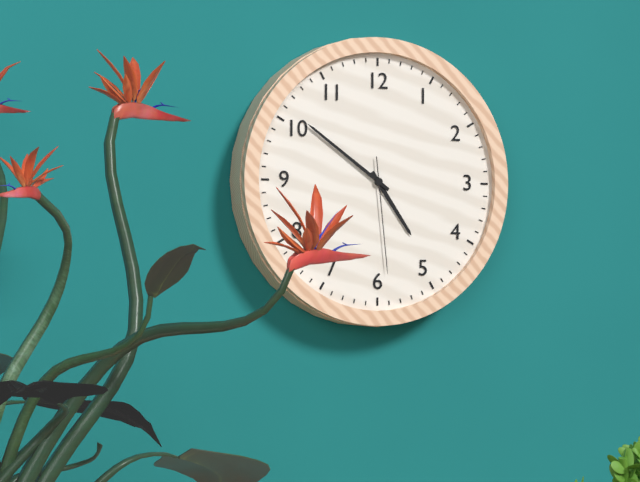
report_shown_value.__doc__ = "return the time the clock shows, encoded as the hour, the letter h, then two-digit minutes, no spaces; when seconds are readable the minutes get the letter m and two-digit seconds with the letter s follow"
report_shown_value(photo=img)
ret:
4h51m29s
